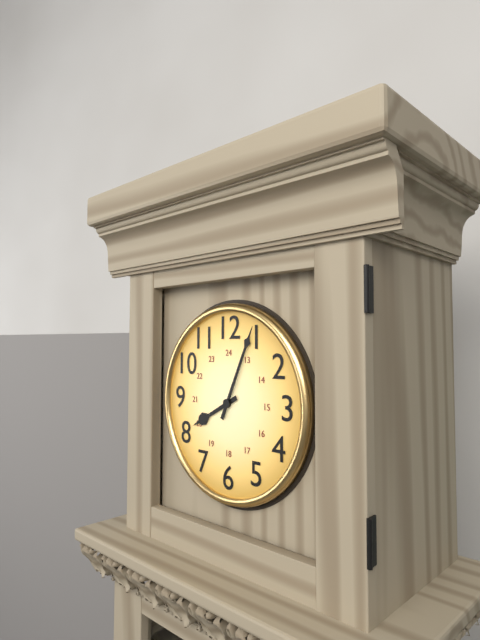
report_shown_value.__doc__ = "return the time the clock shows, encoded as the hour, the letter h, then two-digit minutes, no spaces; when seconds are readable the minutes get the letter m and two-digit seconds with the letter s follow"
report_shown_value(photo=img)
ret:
8h04
